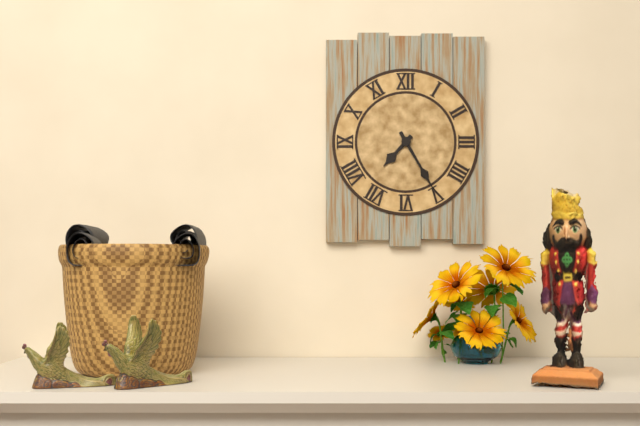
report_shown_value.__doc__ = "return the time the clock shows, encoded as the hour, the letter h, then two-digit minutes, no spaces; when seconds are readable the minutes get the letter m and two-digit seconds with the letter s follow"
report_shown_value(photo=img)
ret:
7h25
